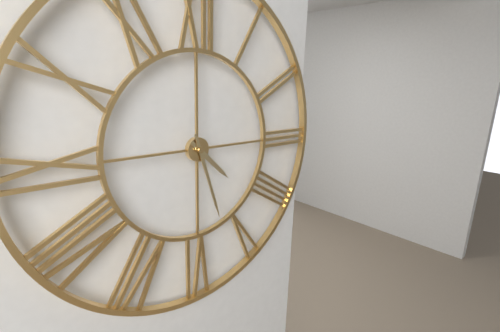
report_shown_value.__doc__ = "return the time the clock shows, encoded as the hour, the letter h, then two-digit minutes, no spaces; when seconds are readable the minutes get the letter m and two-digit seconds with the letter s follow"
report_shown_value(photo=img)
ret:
4h27
